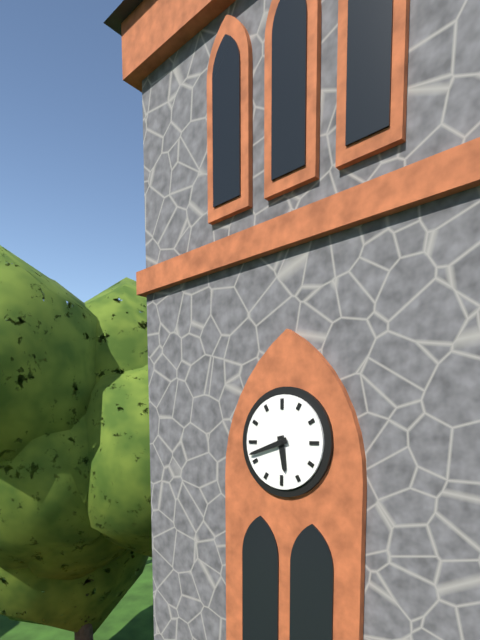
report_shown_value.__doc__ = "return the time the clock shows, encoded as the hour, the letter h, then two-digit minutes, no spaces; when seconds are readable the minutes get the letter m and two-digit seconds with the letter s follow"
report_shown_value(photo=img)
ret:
5h42
